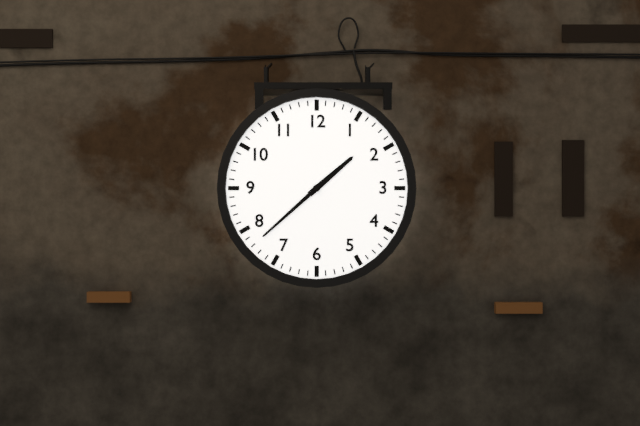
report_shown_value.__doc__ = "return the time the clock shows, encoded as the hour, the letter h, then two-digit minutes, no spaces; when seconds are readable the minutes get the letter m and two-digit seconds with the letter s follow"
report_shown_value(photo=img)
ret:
1h38
